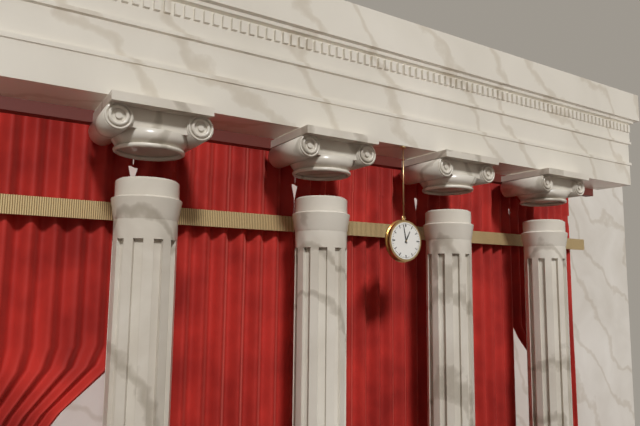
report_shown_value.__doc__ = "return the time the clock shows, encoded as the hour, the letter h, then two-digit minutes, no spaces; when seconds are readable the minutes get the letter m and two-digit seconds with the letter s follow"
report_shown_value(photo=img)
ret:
12h58
